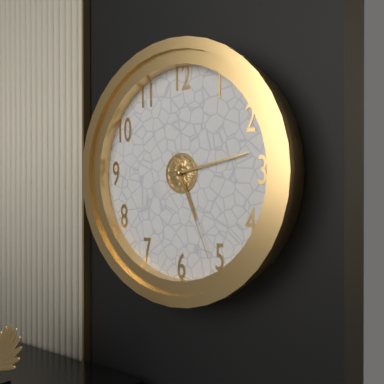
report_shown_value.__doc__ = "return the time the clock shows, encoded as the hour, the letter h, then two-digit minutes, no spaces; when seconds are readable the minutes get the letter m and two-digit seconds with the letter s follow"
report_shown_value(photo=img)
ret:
5h13m26s
